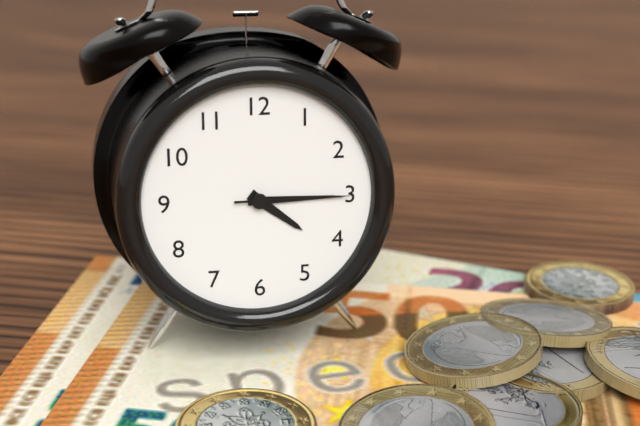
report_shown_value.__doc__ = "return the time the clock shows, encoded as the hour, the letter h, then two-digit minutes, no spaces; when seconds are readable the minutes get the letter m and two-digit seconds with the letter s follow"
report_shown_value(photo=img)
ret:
4h15m15s
